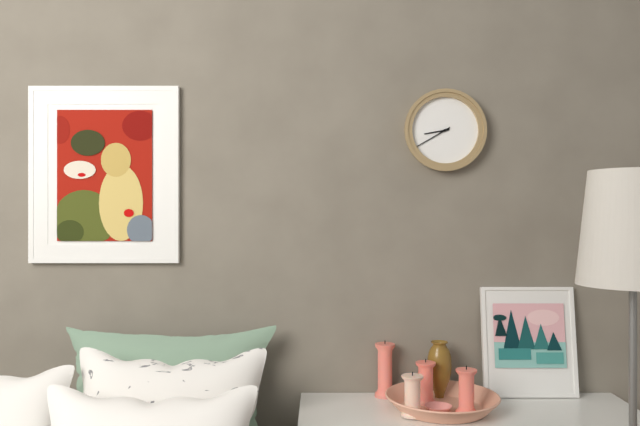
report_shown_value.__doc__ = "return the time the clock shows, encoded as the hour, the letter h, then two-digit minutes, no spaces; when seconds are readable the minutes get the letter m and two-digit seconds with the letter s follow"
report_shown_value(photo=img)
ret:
8h40
